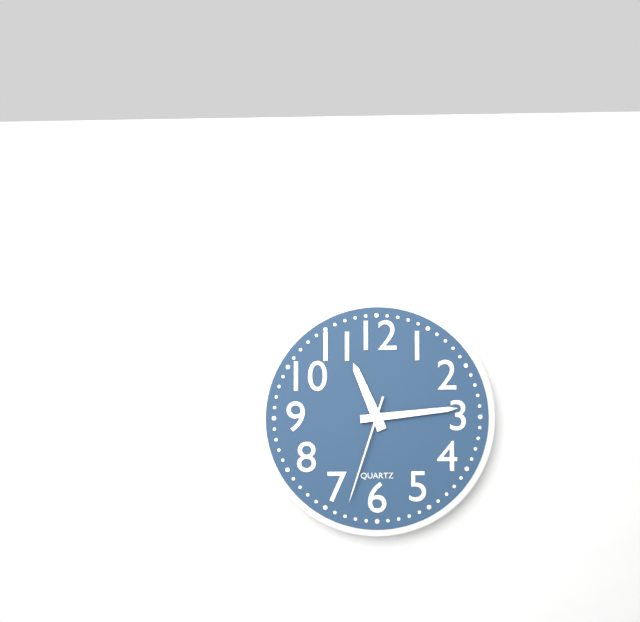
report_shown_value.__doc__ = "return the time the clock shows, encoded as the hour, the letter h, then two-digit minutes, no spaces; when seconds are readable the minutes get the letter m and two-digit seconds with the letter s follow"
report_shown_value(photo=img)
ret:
11h14m33s
